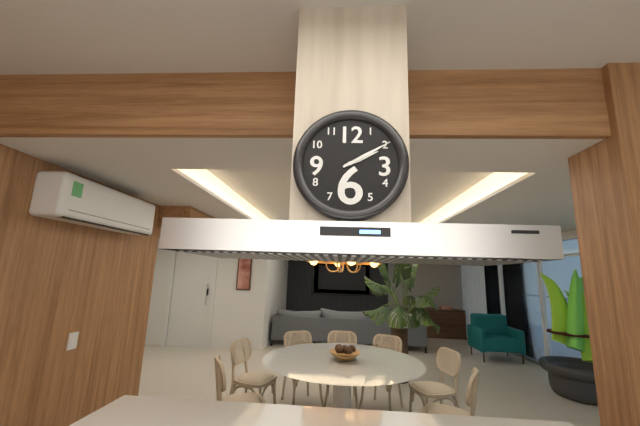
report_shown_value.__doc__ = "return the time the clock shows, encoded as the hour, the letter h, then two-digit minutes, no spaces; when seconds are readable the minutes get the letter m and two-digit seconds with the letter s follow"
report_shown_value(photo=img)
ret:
2h10
